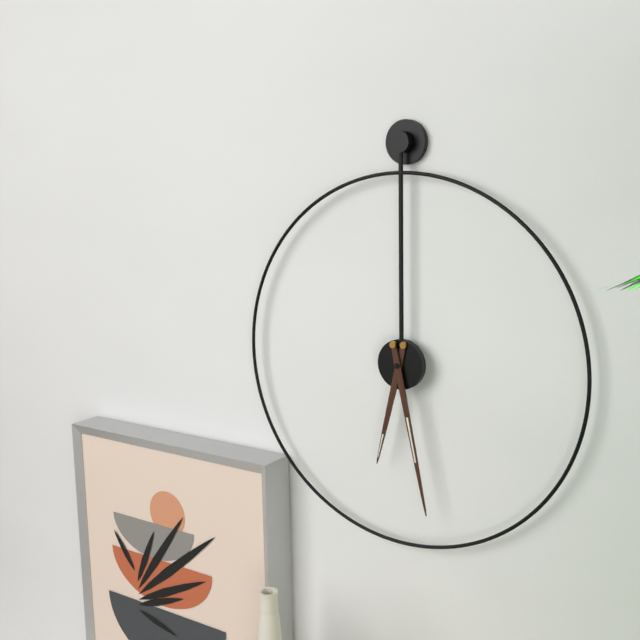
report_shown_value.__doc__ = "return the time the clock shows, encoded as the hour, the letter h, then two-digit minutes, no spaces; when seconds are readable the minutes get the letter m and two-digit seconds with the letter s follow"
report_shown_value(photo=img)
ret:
6h28
